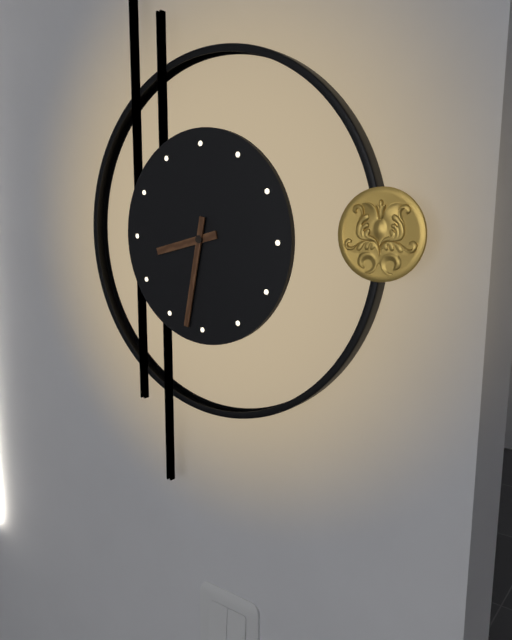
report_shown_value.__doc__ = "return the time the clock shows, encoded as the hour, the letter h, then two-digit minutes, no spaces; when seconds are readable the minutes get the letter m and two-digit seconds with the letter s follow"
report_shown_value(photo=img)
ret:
8h32
